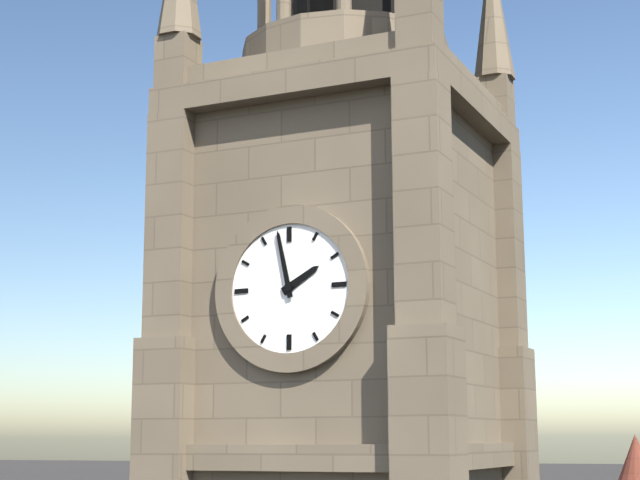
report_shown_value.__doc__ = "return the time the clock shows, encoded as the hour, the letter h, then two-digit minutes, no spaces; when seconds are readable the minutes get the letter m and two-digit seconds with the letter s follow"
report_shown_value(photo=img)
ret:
1h58
